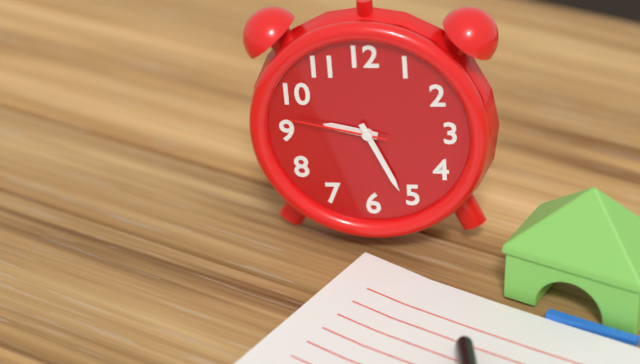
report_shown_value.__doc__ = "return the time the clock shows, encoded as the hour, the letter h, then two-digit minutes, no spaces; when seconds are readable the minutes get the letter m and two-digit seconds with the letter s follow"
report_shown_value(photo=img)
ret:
9h26m47s
